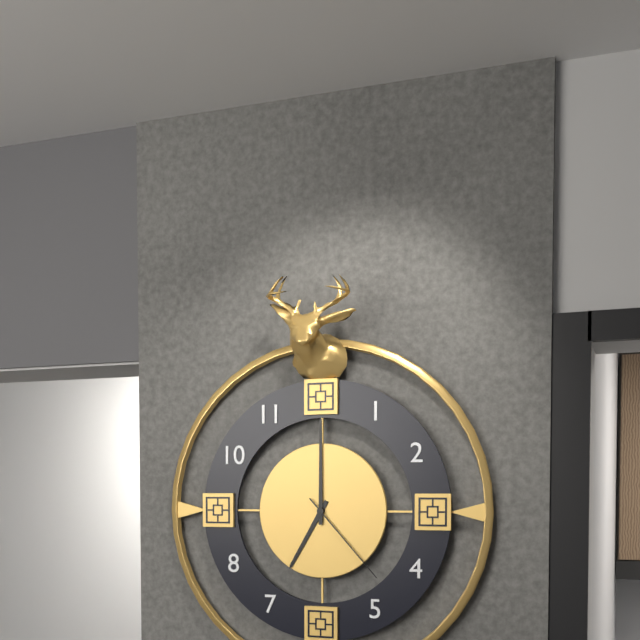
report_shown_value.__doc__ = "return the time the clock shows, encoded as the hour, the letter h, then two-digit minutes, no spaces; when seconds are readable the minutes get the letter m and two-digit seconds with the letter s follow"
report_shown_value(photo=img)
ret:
7h00m23s
